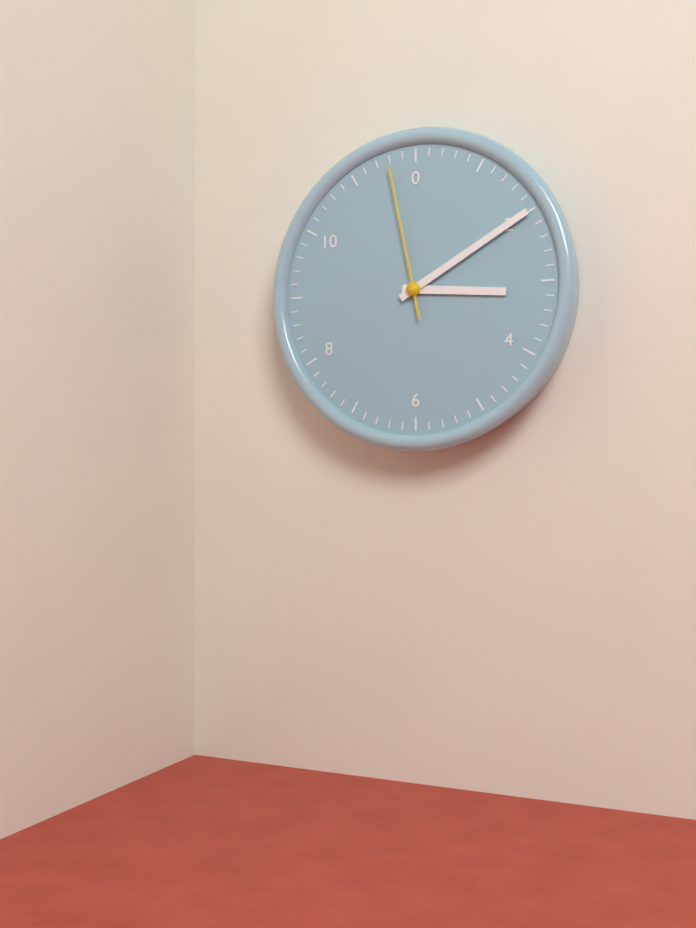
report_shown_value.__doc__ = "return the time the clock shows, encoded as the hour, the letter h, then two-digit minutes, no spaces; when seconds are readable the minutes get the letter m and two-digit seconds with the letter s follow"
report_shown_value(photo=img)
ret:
3h10m58s
